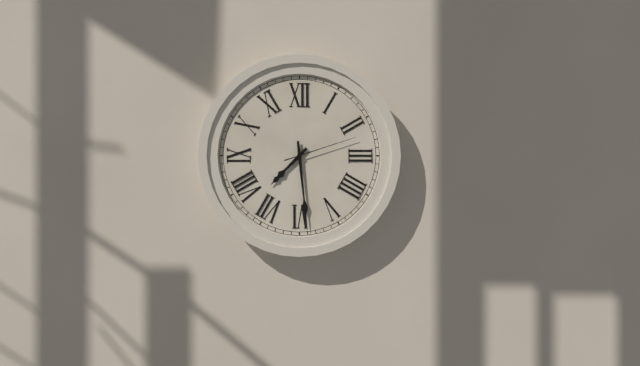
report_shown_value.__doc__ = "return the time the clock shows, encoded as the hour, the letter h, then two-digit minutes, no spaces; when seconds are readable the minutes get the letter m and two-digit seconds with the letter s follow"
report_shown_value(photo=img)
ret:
7h29m12s
